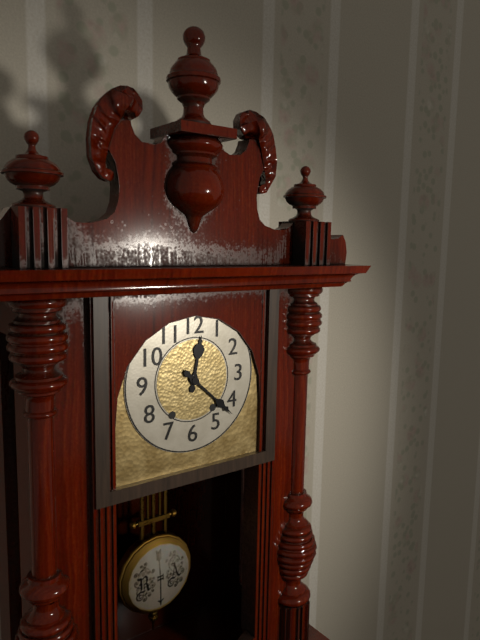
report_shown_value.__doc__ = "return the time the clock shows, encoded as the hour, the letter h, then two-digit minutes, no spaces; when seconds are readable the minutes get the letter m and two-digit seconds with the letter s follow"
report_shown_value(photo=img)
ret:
12h22
